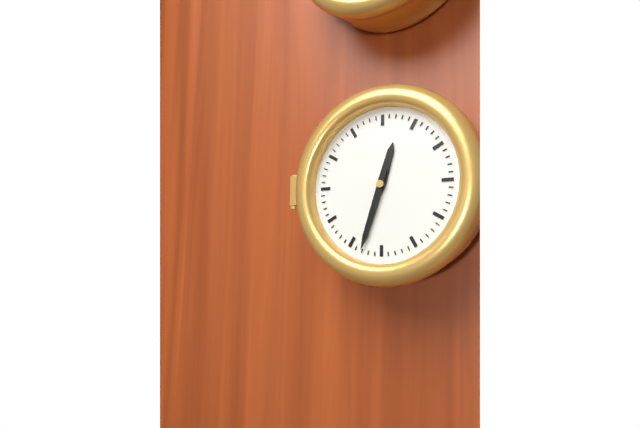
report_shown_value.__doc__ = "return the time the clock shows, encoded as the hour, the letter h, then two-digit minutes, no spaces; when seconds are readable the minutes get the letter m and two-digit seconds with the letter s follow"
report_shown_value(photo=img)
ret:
12h33
